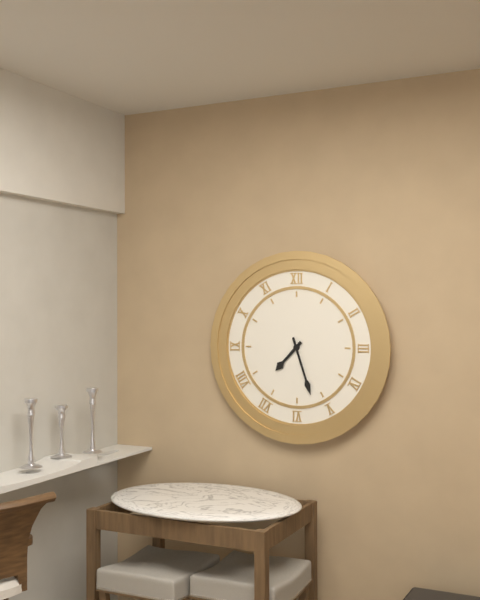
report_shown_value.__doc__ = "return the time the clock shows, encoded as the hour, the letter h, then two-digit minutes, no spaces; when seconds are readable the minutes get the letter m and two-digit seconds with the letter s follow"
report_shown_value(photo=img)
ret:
7h27
